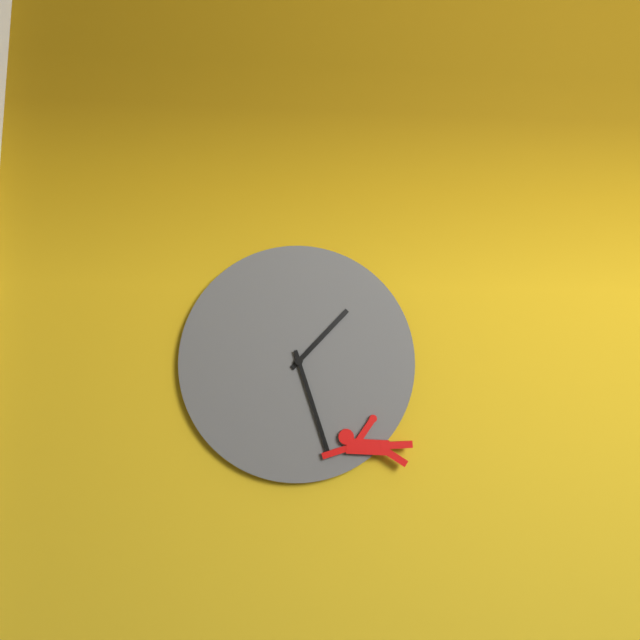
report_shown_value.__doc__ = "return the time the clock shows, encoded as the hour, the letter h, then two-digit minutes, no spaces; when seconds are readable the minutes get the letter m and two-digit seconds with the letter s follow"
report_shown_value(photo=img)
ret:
1h27
